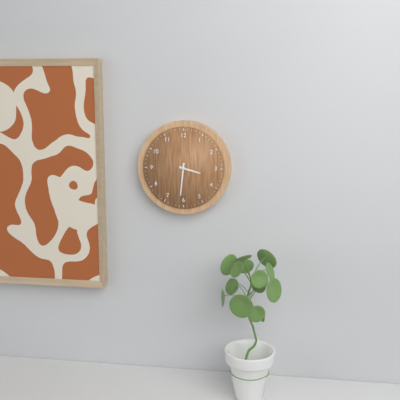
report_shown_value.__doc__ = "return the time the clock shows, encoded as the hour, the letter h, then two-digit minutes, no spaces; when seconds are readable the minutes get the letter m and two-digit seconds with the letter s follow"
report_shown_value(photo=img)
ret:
3h31
